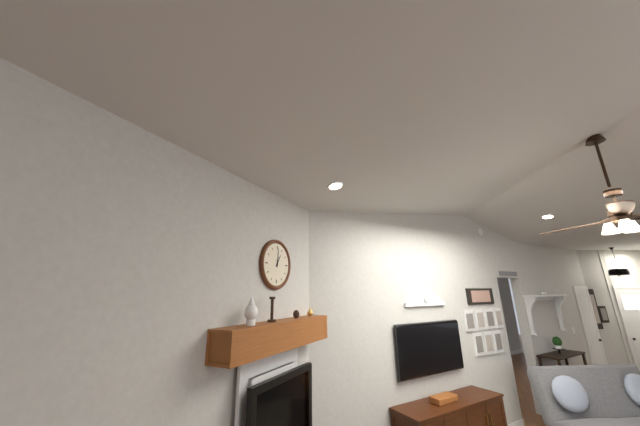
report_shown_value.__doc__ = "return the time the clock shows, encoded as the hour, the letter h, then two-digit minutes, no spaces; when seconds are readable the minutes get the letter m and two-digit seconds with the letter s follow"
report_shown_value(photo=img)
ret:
1h01
